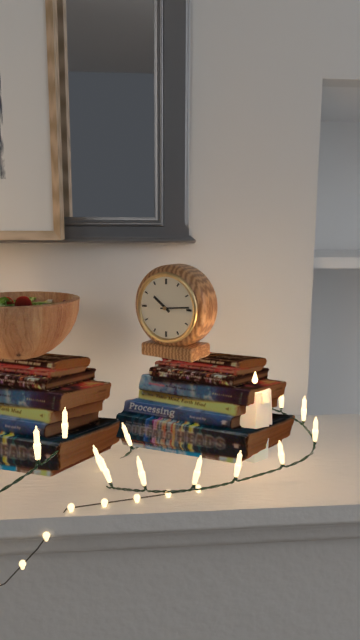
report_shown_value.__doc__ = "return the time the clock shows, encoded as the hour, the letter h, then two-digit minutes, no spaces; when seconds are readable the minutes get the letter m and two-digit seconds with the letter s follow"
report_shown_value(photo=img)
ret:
10h14
